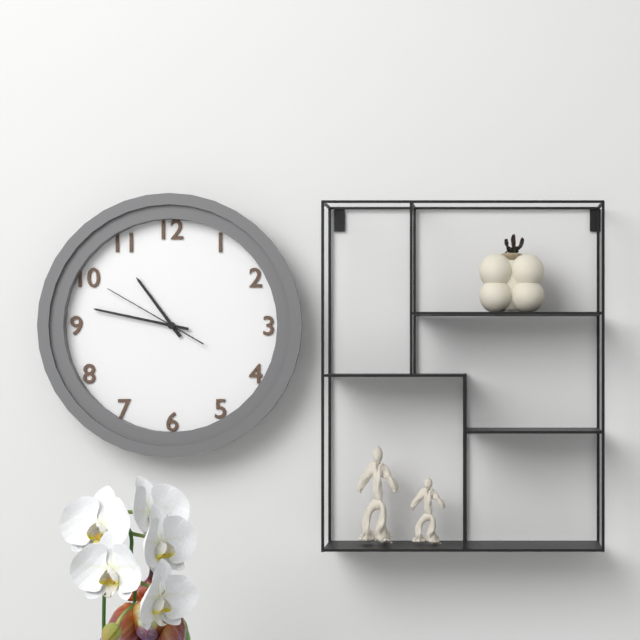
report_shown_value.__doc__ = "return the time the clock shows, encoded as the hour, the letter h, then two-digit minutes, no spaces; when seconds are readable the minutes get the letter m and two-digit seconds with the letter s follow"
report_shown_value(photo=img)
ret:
10h47m50s
